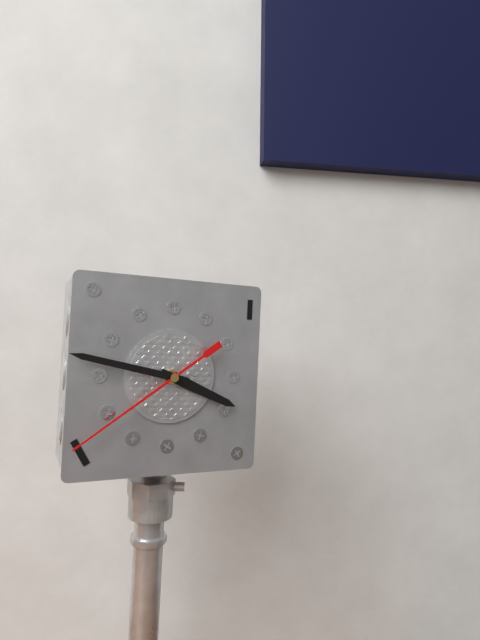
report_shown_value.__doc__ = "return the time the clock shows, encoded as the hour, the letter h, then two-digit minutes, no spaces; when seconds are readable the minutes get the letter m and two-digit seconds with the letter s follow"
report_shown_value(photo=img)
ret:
3h47m39s
